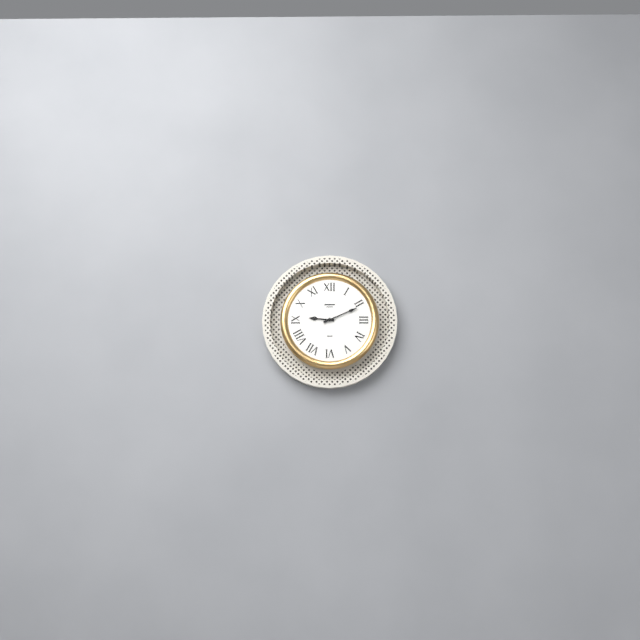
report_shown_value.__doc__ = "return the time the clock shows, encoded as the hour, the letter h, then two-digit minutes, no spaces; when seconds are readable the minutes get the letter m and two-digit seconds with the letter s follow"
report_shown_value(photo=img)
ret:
9h11
